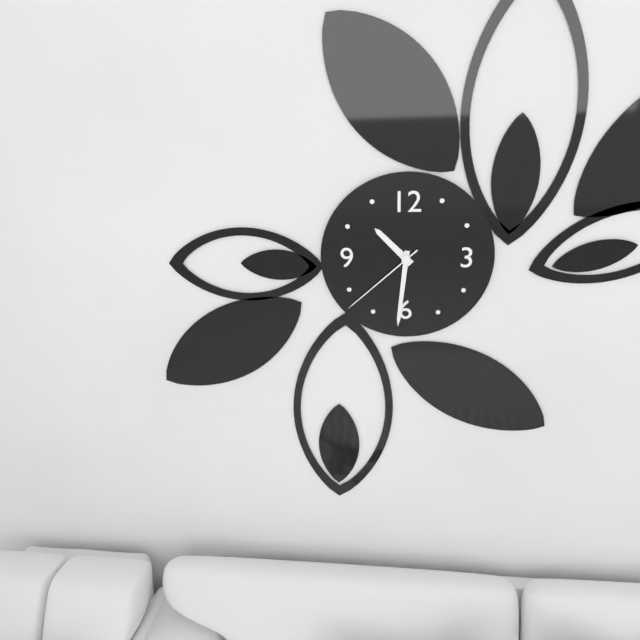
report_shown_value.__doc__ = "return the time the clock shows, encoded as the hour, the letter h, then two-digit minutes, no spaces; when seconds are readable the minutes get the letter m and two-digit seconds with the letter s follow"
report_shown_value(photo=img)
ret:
10h31m38s
